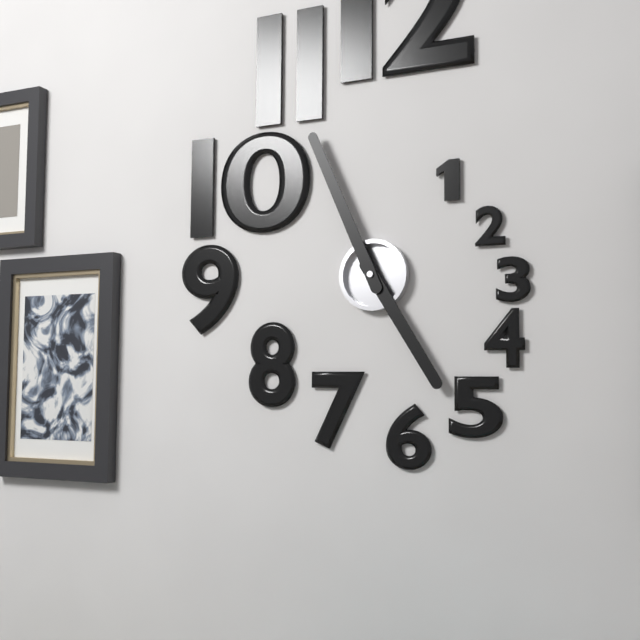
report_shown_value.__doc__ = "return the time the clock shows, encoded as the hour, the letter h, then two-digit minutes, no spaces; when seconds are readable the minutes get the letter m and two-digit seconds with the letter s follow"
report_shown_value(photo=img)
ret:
4h56
